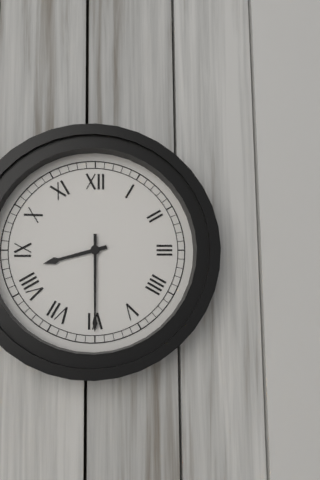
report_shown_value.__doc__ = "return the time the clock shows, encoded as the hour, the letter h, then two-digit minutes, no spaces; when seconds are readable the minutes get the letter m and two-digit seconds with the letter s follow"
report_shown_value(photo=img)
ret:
8h30
